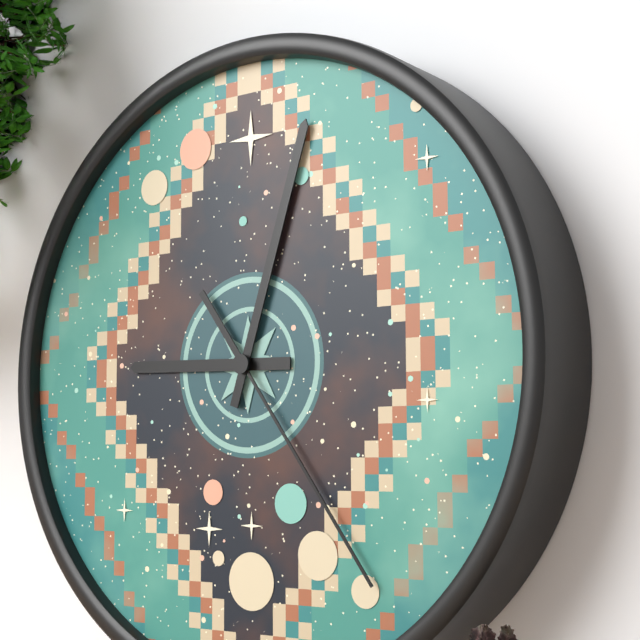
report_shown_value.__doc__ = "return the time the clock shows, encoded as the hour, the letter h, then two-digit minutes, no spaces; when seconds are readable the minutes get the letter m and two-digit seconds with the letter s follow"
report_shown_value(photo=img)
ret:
9h03m24s
